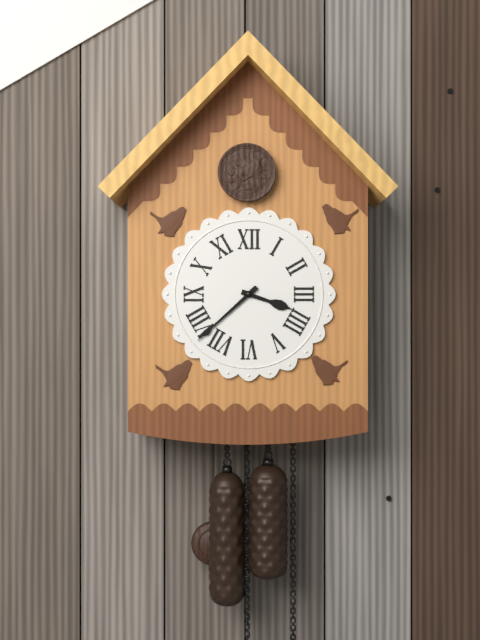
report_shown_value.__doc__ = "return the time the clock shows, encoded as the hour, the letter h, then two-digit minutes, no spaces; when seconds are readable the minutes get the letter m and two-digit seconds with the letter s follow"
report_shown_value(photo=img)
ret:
3h38
